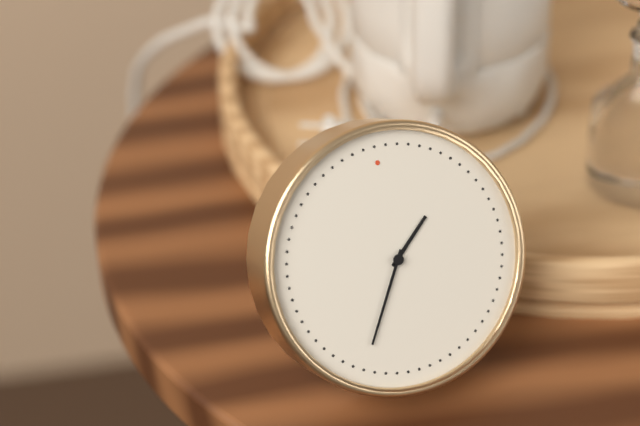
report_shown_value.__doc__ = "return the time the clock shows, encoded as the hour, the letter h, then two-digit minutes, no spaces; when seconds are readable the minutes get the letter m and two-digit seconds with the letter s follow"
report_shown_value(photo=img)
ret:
1h35
